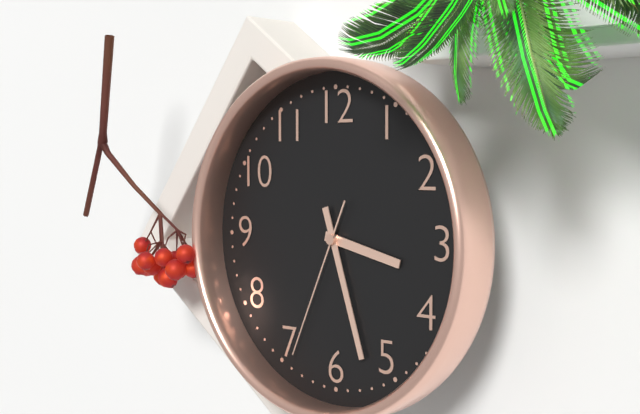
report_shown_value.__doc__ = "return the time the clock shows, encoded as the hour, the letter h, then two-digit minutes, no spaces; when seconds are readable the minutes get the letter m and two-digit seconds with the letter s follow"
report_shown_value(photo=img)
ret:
3h27m34s
